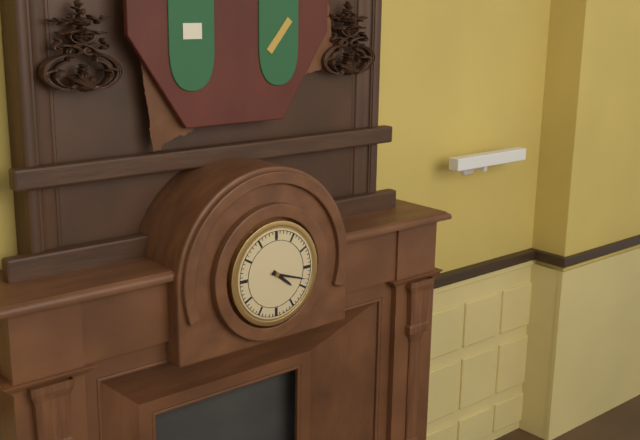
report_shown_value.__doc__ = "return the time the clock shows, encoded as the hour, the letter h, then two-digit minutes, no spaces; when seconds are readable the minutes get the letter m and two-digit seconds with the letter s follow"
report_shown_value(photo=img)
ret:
4h18
